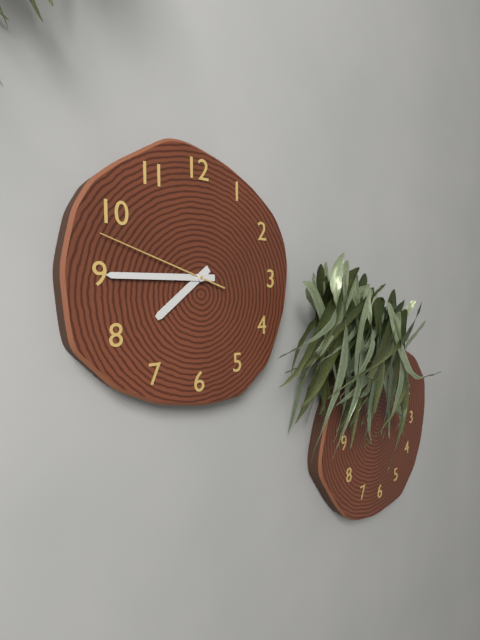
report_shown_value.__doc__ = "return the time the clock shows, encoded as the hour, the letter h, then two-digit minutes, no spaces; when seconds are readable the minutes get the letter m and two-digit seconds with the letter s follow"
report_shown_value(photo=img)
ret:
7h45m48s
